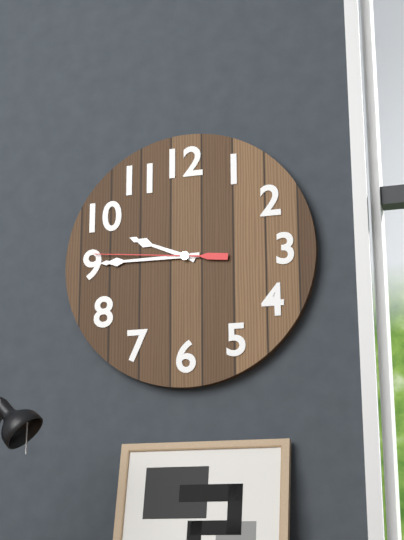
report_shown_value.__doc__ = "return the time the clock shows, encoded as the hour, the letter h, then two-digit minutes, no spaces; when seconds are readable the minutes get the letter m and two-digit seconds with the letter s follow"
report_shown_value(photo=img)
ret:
9h45m46s
